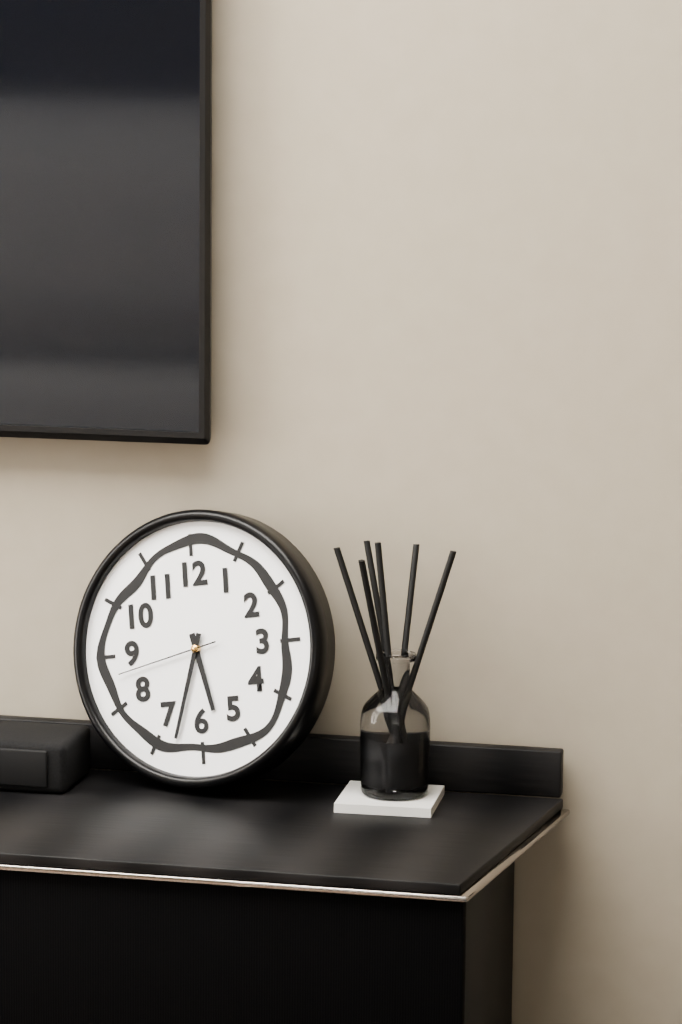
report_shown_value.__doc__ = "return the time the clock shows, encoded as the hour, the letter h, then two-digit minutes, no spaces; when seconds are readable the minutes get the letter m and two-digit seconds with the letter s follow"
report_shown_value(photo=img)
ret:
5h33m43s
